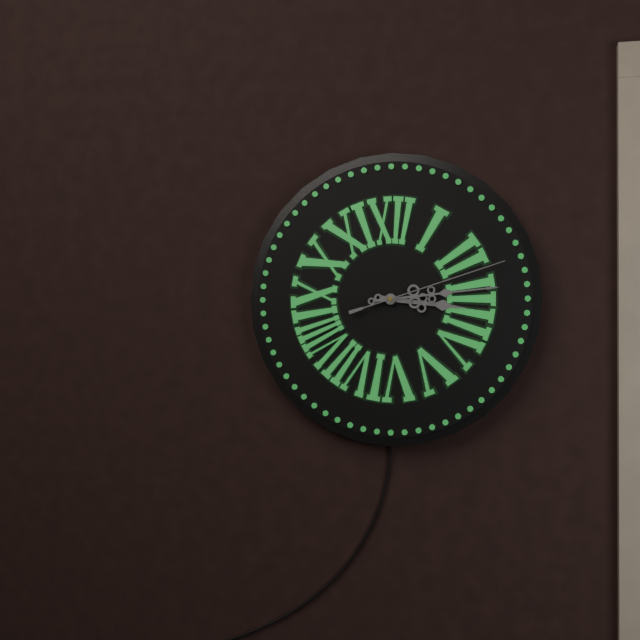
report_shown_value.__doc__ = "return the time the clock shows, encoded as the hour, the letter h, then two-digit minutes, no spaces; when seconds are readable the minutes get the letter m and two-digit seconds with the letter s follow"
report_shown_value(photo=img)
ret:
3h14m12s
